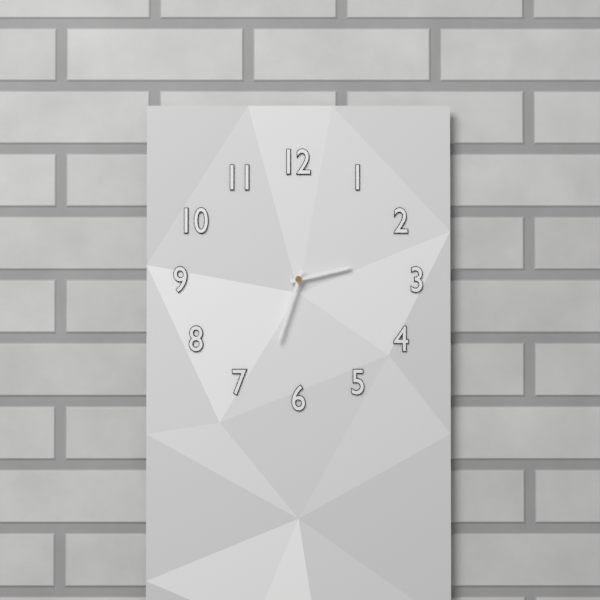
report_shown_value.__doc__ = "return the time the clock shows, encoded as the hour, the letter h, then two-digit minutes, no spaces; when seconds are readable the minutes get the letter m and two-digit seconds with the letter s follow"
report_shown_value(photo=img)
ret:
2h33
